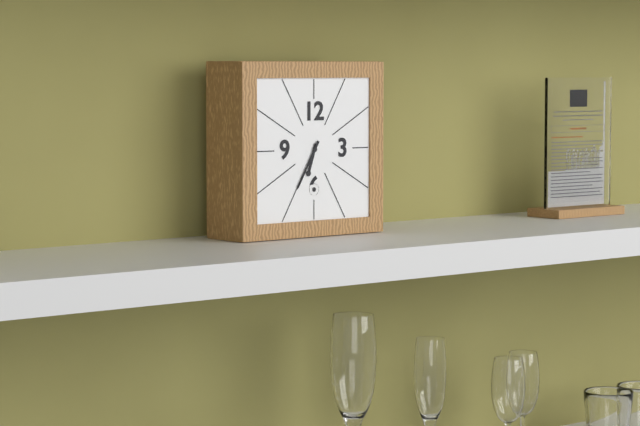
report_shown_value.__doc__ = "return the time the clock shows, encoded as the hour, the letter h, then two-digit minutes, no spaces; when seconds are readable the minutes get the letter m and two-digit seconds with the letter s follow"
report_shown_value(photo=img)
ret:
6h35
